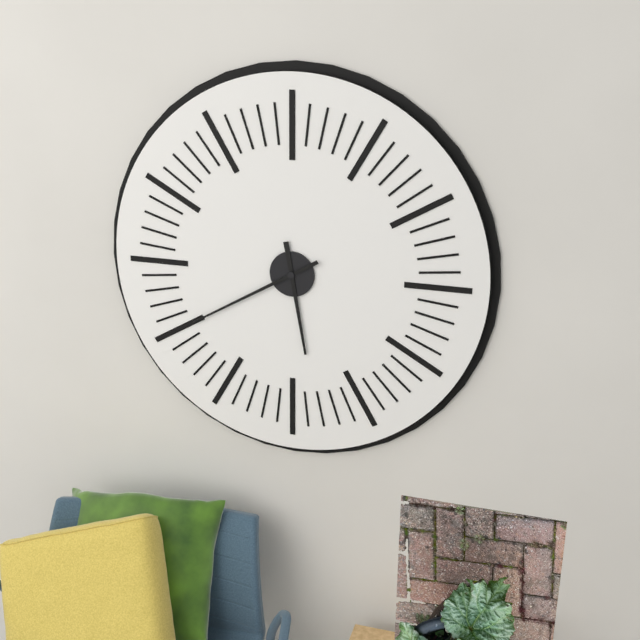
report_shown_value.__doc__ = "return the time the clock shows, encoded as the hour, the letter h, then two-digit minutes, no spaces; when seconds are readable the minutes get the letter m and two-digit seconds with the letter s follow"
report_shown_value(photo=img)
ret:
5h40
